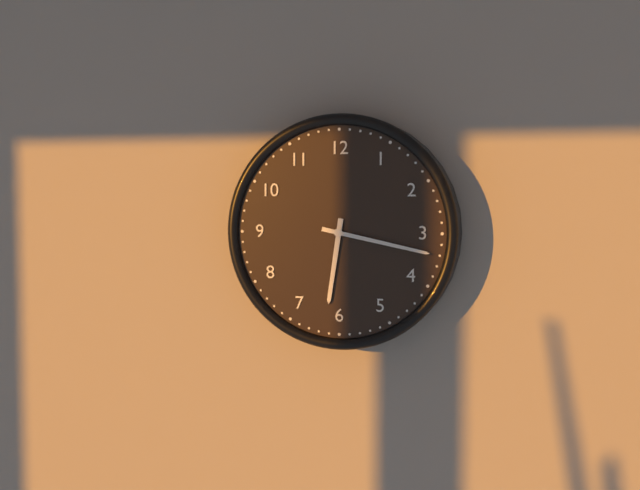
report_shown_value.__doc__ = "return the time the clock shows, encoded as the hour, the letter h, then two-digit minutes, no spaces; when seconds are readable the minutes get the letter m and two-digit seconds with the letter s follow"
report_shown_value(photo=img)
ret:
6h17
